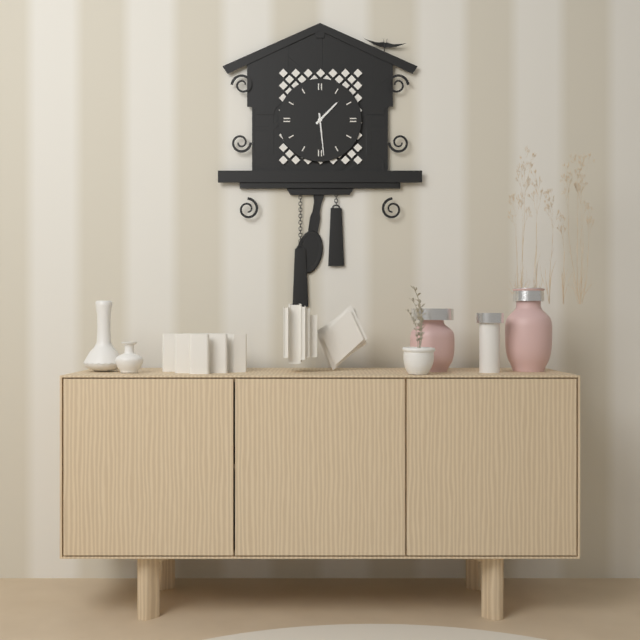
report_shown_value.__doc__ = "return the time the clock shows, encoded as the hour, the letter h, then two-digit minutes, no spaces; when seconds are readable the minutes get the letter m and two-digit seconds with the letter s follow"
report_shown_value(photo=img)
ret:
1h29
